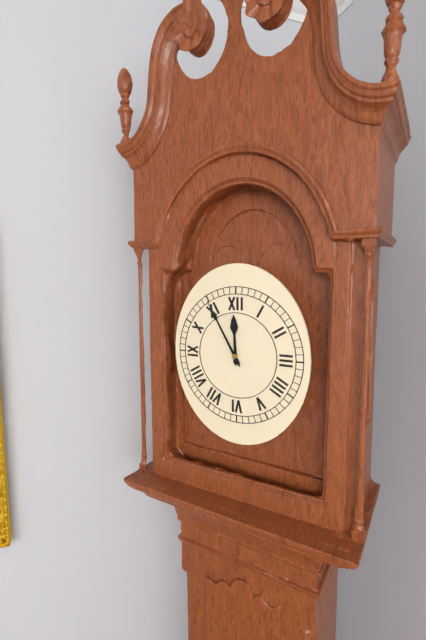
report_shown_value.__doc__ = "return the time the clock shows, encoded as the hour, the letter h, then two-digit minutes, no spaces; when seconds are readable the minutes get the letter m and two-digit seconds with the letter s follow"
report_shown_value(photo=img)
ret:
11h55
